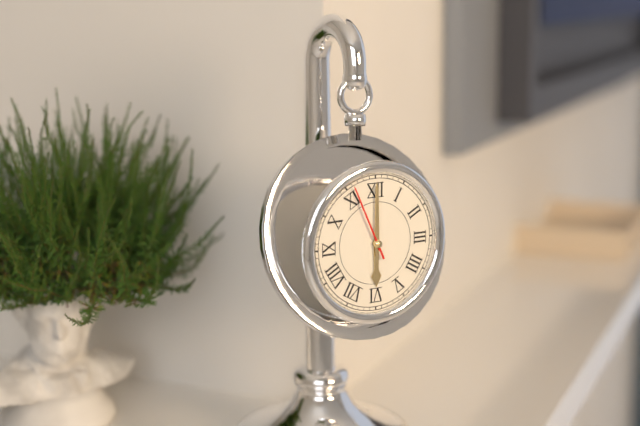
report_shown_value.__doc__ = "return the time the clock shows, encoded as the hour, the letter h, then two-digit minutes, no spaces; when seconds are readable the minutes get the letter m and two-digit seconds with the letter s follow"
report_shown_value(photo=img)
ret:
6h00m56s
